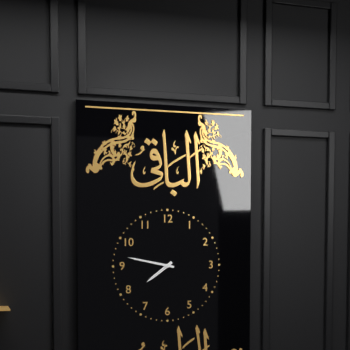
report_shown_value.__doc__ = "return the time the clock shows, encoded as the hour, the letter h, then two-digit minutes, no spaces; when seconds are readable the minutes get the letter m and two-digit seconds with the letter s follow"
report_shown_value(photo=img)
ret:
7h47
